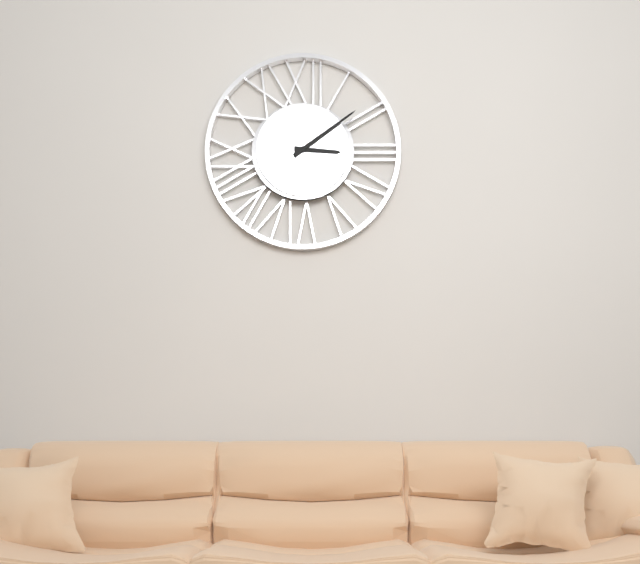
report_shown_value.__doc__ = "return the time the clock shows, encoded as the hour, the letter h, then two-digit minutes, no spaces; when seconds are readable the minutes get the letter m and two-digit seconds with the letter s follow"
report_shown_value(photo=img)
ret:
3h09
